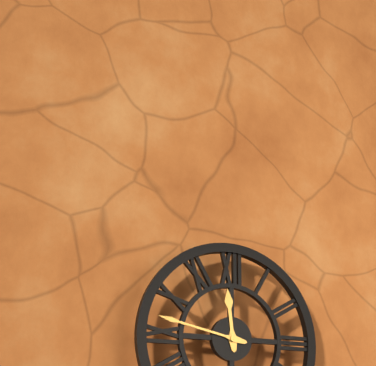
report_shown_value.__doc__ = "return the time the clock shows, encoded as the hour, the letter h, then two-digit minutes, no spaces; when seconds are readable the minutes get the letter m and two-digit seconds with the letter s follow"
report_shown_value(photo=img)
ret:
11h47
